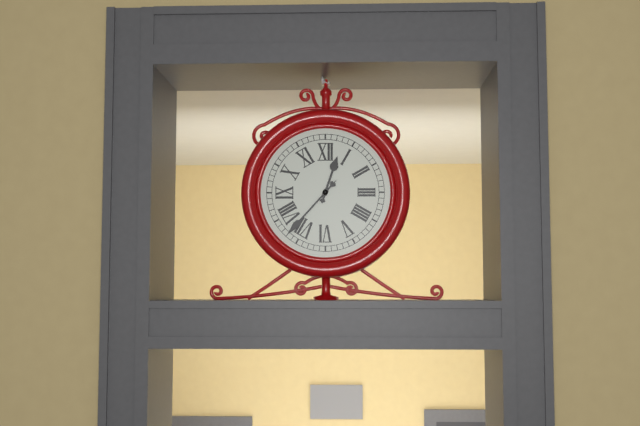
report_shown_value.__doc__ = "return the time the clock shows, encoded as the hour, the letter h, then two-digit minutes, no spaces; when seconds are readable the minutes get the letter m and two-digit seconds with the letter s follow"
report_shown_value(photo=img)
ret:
12h37
